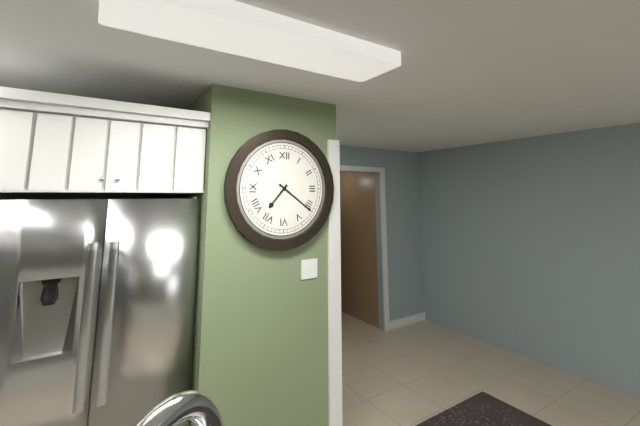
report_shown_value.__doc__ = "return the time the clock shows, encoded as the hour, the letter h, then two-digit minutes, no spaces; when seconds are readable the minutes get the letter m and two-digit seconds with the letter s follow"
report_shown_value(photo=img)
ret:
7h21
